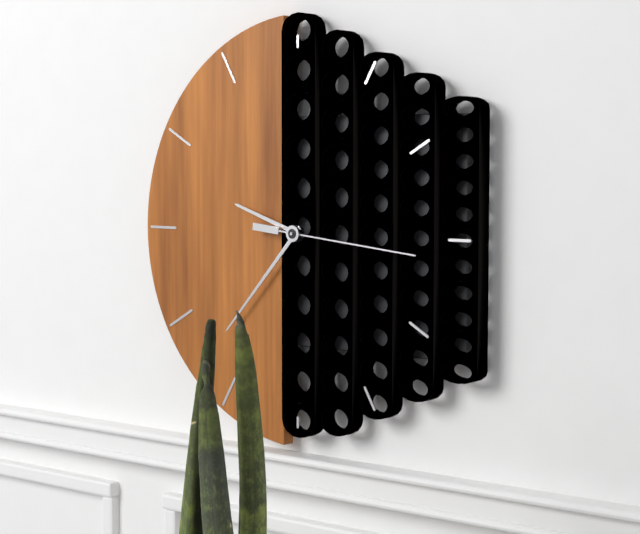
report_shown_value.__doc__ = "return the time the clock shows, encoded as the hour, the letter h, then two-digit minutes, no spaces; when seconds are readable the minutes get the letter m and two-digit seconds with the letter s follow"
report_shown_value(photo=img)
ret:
9h37m16s
